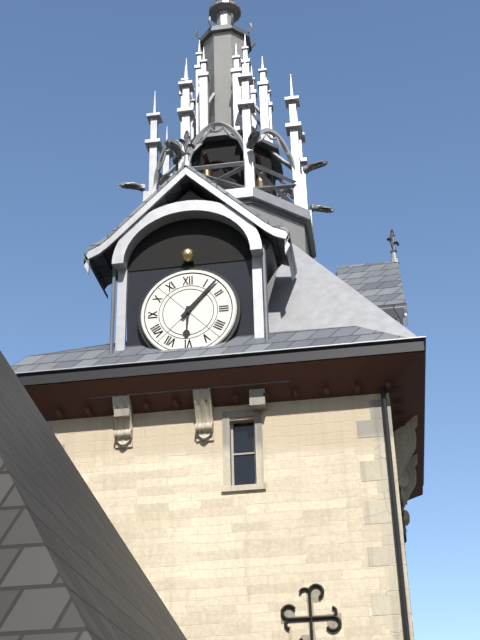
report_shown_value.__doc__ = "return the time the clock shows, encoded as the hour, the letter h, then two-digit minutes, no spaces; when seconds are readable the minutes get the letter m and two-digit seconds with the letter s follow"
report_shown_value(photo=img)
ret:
6h07
